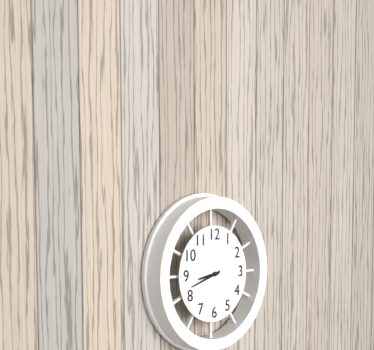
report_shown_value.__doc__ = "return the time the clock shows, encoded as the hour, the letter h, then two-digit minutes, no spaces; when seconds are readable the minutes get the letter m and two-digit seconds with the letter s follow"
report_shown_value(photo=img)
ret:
8h42
